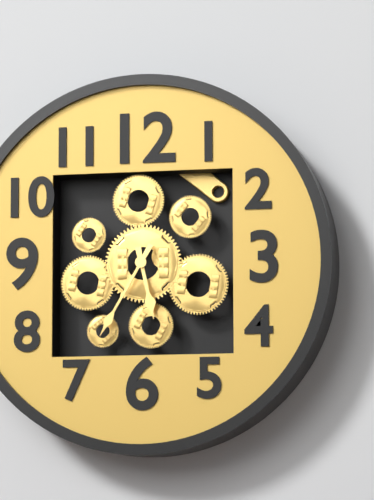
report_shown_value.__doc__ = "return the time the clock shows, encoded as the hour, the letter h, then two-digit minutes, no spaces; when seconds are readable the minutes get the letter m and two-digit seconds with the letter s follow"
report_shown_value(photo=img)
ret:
5h35
